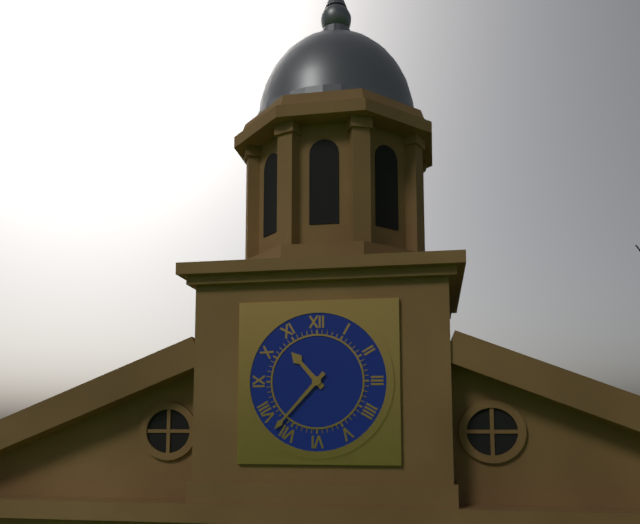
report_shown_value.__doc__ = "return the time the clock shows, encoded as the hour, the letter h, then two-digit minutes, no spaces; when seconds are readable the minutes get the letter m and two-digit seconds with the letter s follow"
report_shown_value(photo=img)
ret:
10h37
